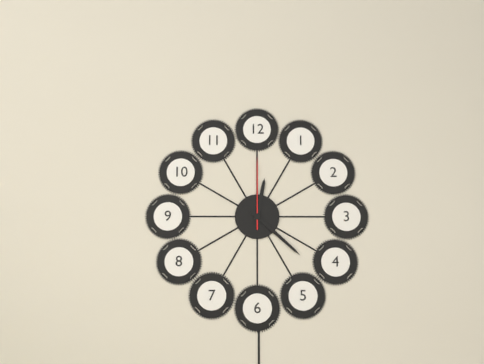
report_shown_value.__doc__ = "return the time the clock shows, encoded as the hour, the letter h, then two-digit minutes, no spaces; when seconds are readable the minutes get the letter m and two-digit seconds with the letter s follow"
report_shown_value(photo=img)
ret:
12h22m00s
